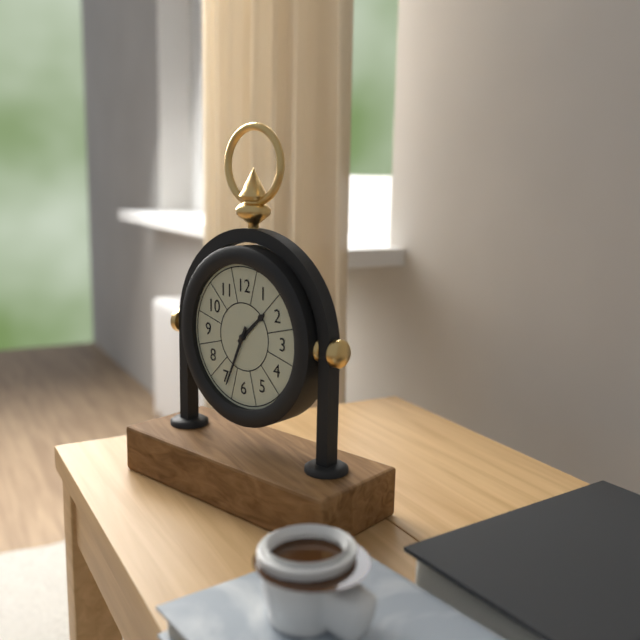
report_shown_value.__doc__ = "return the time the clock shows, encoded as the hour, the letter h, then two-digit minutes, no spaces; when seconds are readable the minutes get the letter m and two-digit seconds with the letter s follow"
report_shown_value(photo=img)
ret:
1h34
